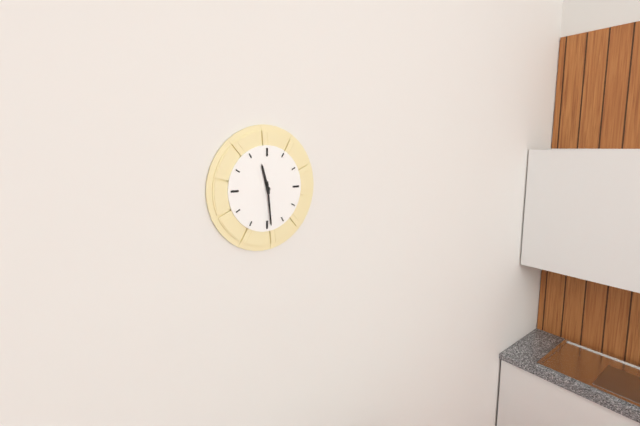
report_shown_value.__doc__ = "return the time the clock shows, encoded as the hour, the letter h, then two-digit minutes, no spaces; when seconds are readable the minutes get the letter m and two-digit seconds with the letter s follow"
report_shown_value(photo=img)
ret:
11h29
